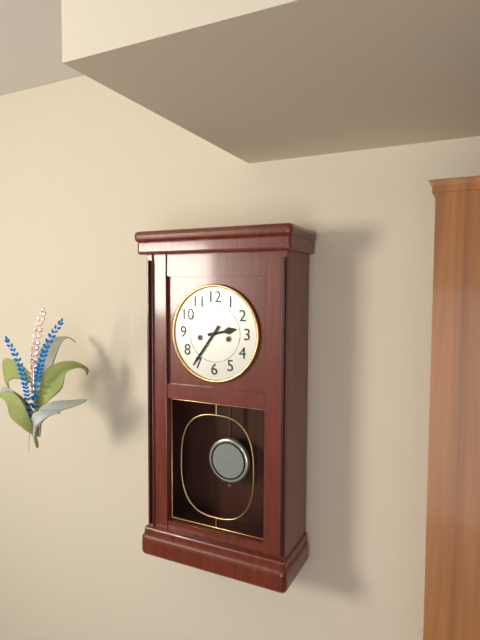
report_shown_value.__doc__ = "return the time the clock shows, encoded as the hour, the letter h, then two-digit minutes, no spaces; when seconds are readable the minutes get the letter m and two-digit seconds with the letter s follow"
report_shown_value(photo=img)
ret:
2h36
